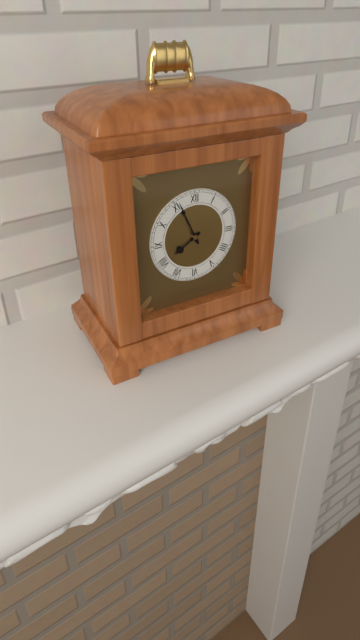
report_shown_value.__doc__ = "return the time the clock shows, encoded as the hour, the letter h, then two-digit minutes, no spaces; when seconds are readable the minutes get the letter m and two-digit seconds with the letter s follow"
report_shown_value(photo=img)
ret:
7h56
